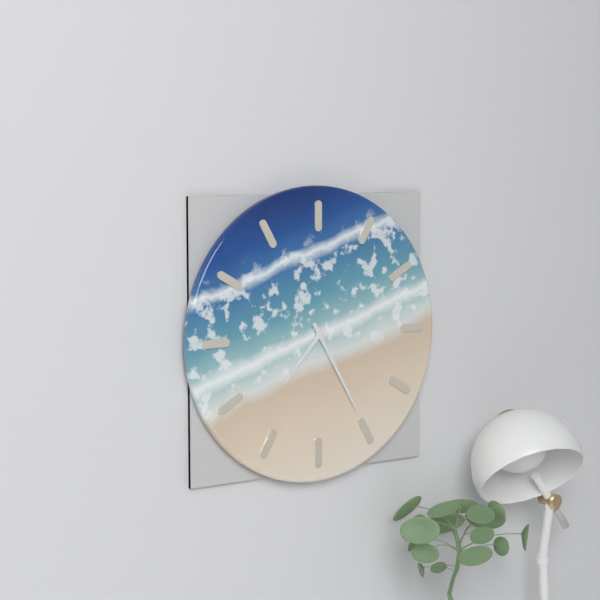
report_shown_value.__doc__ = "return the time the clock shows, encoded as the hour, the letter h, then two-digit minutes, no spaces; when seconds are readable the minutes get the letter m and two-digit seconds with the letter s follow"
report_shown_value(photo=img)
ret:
7h25
